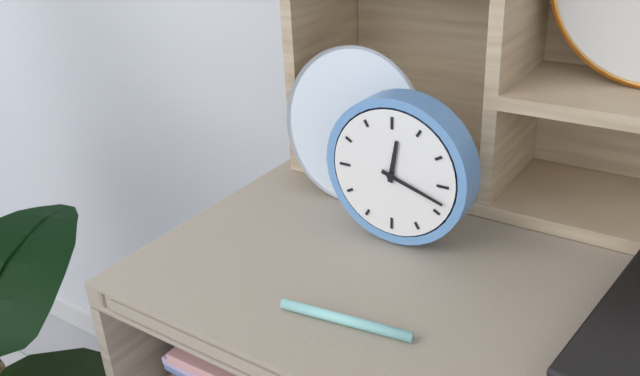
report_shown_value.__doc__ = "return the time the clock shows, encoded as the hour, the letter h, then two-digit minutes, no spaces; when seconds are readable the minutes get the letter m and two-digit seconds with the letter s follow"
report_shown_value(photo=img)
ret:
12h18
